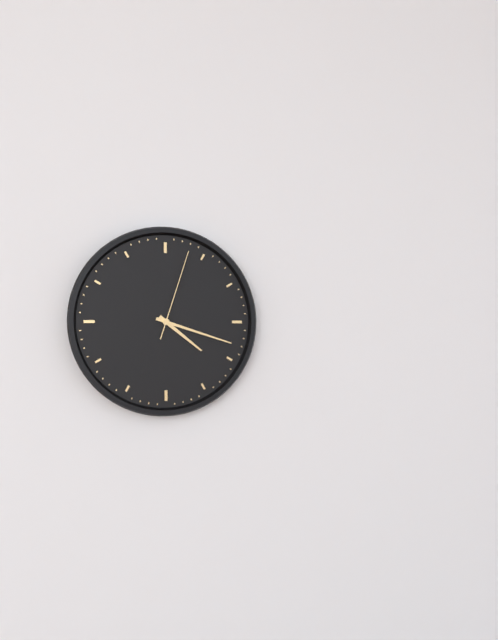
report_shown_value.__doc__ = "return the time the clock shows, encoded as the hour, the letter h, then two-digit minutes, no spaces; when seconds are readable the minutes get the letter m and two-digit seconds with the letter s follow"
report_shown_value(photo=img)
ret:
4h18m03s
